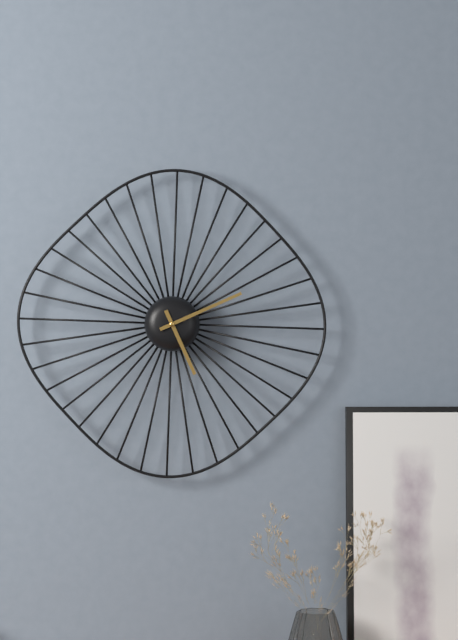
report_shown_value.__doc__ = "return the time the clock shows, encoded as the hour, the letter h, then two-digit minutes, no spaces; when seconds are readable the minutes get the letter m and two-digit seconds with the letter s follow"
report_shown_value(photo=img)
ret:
5h11
